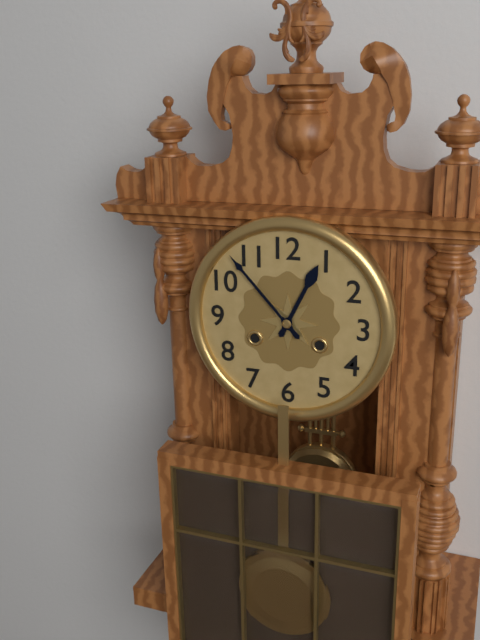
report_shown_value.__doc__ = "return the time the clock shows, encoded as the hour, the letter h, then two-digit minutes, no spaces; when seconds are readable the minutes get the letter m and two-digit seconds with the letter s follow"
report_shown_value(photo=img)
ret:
12h53
